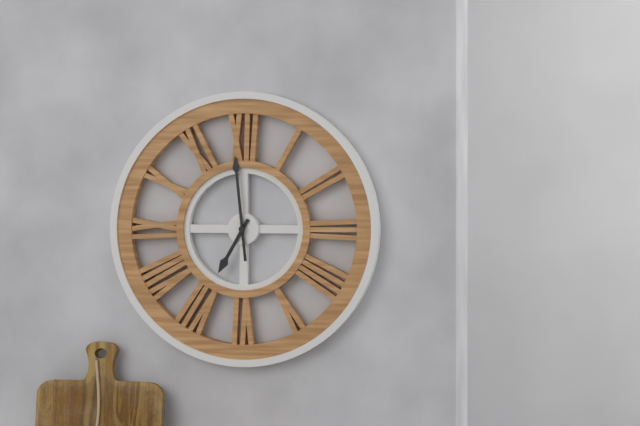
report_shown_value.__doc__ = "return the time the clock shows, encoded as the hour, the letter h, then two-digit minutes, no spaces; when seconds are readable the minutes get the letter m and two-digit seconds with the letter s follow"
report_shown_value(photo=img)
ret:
6h59
